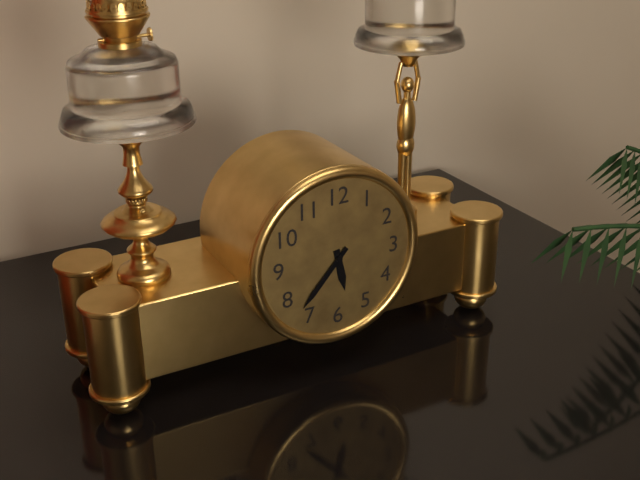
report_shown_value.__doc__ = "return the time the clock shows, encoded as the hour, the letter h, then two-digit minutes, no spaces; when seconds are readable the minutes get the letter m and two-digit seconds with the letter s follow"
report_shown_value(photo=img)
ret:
5h37
